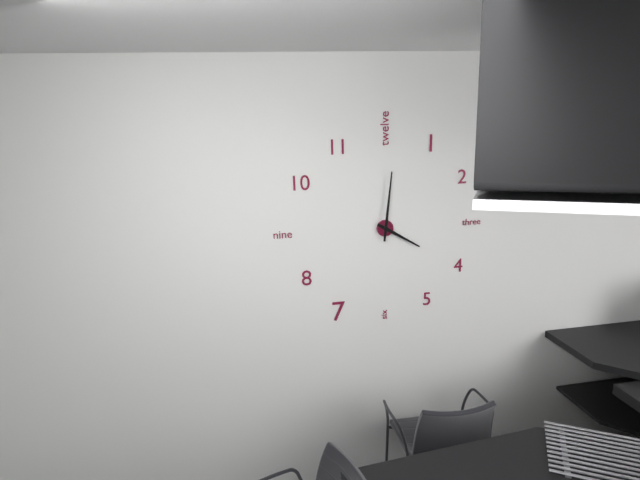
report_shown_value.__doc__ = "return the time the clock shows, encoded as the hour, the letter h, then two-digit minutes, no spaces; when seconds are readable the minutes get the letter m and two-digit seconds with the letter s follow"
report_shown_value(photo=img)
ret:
4h01
